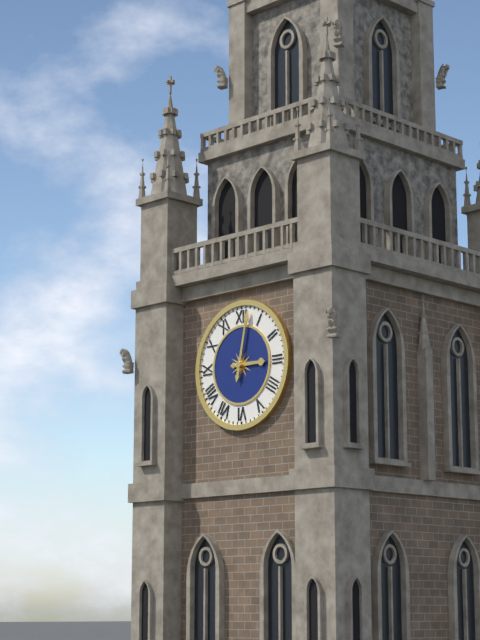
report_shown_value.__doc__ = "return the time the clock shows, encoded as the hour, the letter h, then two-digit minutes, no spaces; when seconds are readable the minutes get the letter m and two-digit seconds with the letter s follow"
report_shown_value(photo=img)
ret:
3h02
